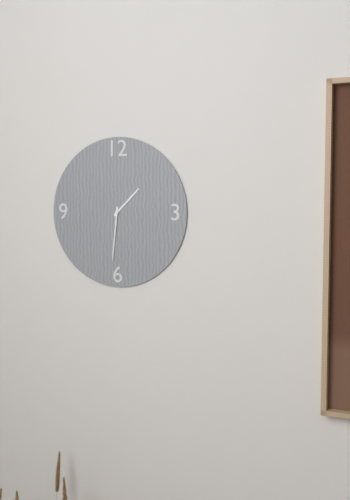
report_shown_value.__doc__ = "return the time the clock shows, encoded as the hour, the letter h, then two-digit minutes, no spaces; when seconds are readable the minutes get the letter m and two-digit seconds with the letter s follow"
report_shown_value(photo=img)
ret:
1h31
